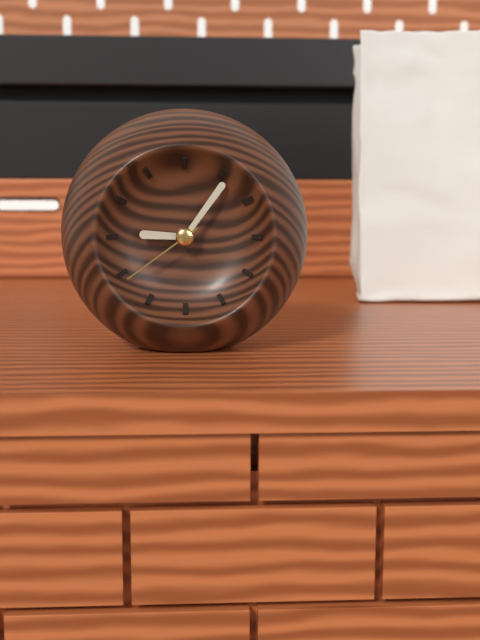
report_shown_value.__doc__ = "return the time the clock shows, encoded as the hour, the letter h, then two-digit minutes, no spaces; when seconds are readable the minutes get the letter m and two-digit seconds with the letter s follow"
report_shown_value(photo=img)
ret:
9h06m39s
